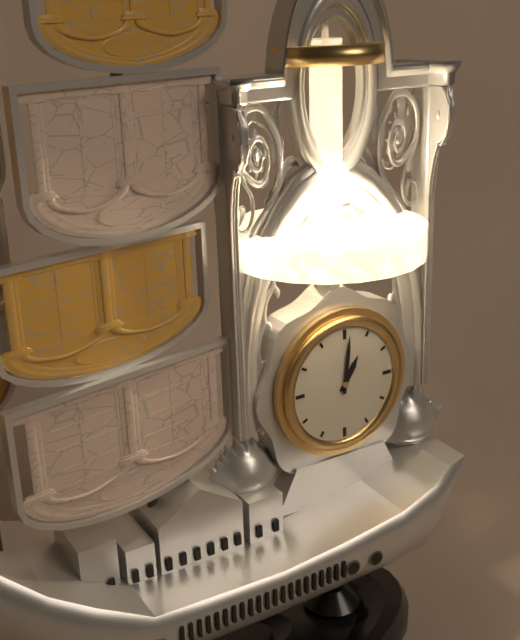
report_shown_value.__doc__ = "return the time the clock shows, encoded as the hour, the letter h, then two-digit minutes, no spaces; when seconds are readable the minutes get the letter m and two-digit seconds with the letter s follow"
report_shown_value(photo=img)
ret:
1h01
